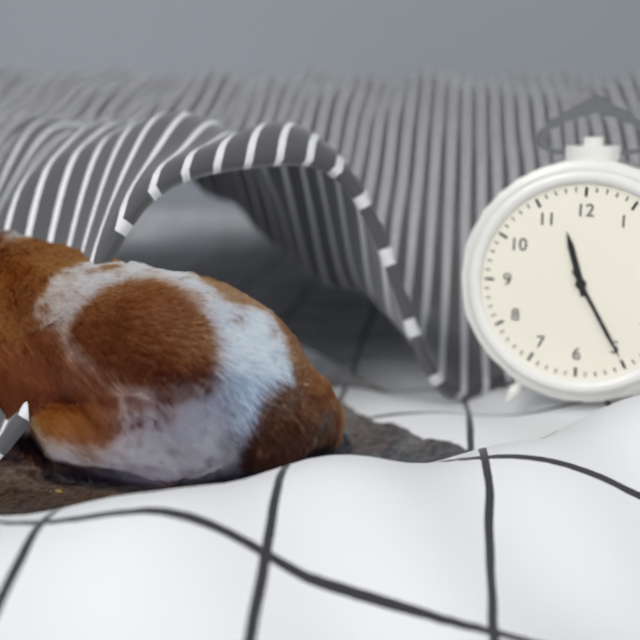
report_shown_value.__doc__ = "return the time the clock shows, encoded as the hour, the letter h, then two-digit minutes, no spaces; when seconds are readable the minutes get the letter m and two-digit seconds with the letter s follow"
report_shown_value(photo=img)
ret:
11h25
